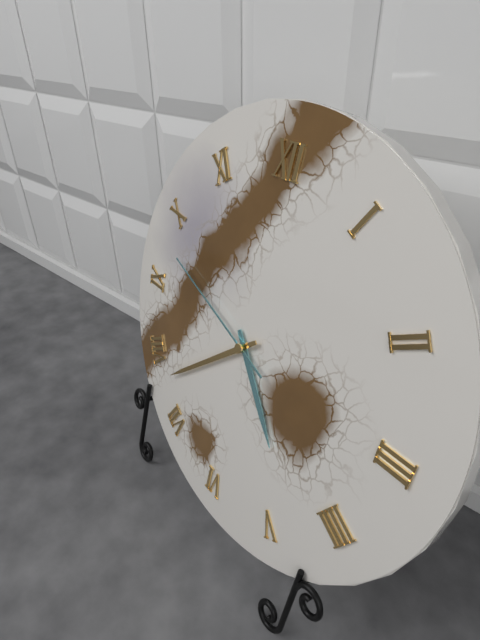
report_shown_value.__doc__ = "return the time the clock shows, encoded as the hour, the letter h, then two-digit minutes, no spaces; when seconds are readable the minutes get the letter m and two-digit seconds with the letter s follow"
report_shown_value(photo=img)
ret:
4h38m48s
